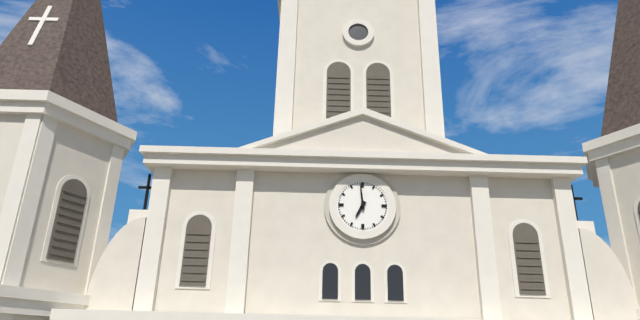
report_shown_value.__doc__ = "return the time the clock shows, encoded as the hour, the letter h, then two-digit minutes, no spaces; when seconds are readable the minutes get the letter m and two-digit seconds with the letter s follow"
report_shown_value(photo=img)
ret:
6h59
